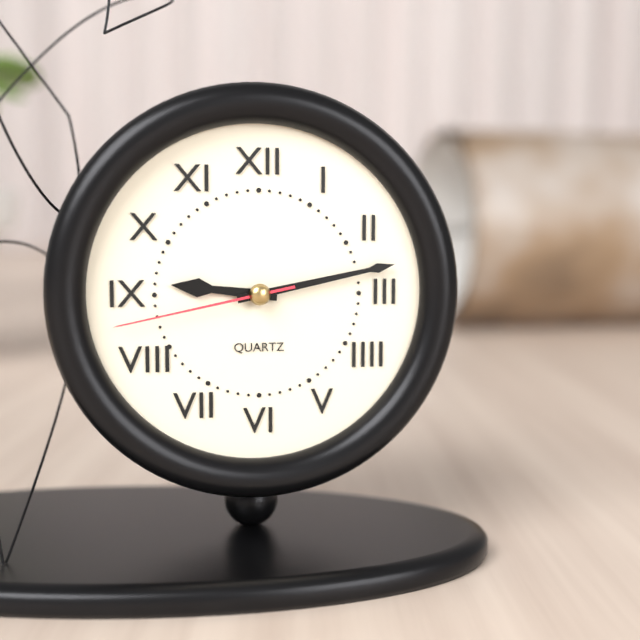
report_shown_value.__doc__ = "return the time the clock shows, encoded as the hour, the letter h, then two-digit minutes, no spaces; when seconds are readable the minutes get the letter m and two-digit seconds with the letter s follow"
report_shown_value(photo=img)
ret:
9h13m43s
